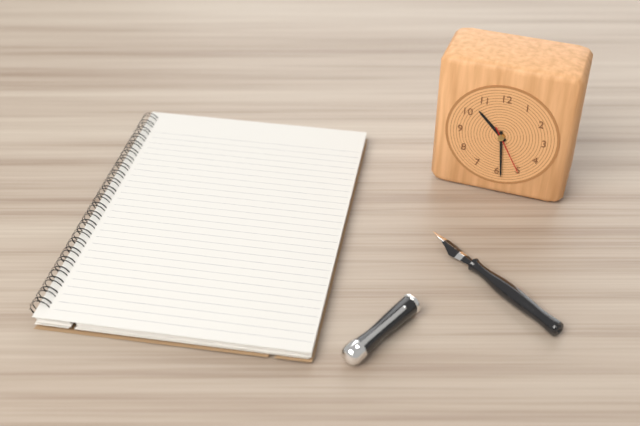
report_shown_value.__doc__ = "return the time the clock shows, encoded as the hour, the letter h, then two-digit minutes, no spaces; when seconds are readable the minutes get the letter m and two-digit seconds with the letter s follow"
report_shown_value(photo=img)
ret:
10h29m25s
